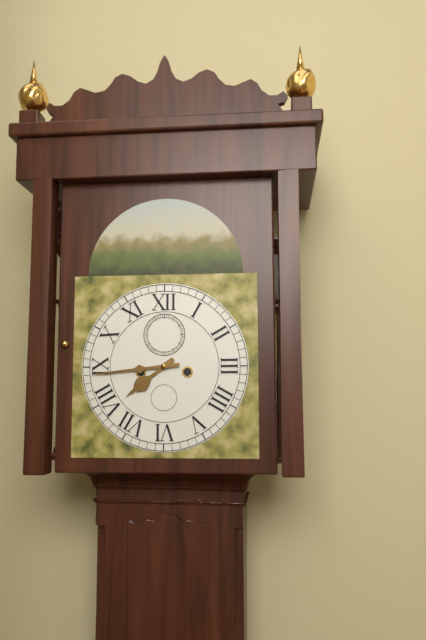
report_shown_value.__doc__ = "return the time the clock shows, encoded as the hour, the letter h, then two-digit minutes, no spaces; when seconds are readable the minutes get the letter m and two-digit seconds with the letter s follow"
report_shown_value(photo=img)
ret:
7h44
